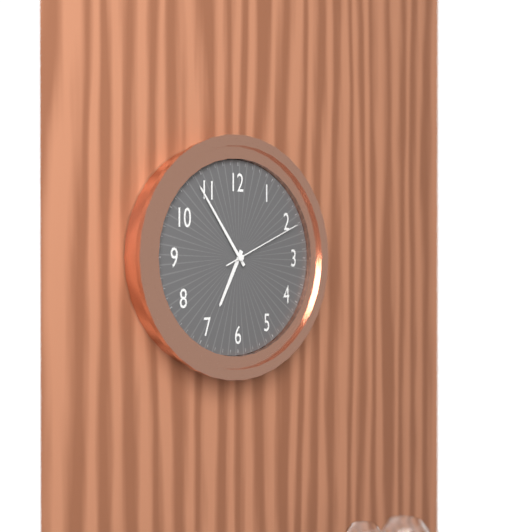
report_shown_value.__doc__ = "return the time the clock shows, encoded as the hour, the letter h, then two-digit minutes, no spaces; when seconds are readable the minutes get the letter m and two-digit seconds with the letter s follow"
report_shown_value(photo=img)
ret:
6h54m11s
